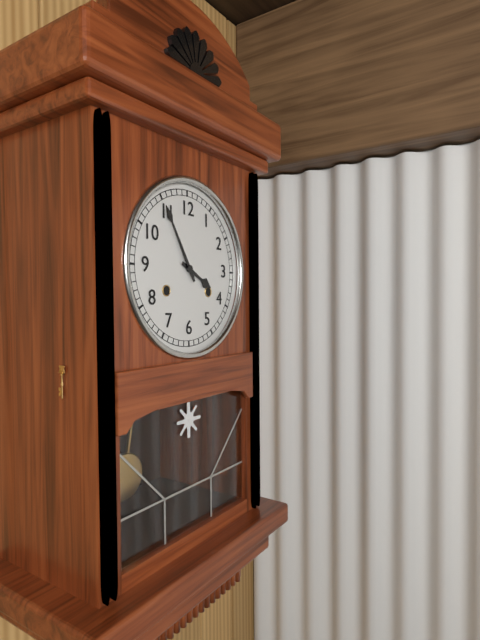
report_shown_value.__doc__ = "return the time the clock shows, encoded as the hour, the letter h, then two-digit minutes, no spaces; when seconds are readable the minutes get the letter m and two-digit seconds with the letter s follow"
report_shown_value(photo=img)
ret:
3h55
